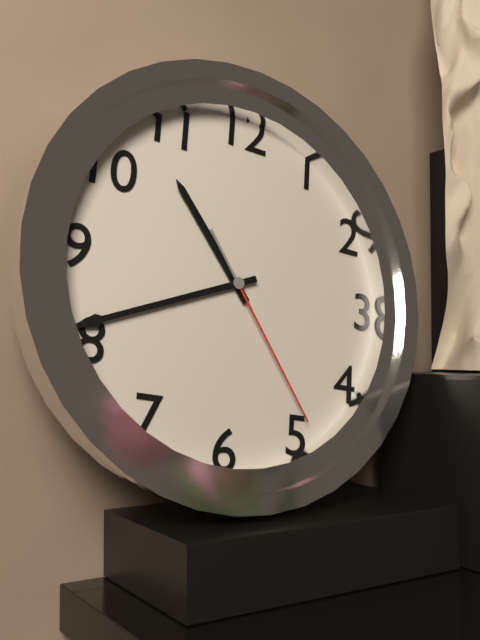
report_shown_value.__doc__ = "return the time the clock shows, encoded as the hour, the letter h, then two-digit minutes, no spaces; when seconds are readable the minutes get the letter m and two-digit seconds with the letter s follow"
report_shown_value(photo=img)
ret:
10h41m24s
